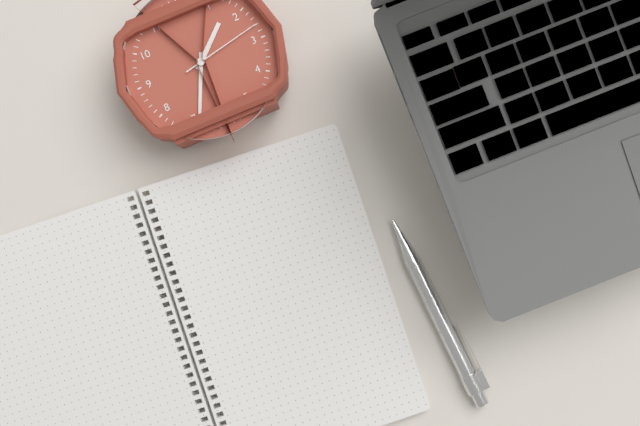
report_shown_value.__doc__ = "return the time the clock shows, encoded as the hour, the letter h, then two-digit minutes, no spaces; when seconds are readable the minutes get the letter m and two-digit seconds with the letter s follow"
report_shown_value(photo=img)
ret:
1h34m13s
